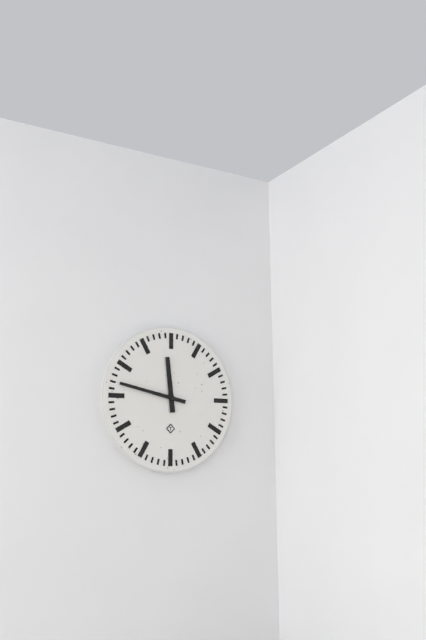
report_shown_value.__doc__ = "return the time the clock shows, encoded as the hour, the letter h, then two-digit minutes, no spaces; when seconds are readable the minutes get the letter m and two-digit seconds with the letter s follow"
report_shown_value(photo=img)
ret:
11h47
